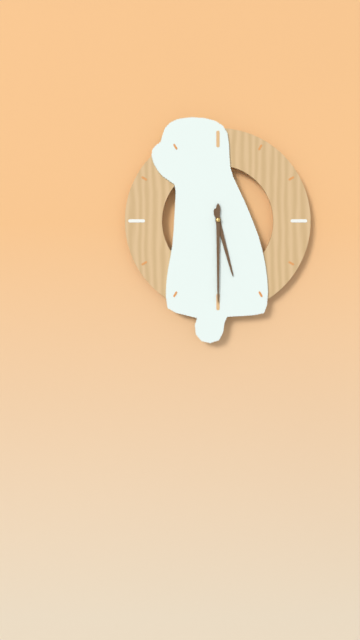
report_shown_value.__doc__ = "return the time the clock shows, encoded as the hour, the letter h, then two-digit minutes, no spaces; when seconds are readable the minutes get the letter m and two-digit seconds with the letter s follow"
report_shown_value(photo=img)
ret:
5h30
